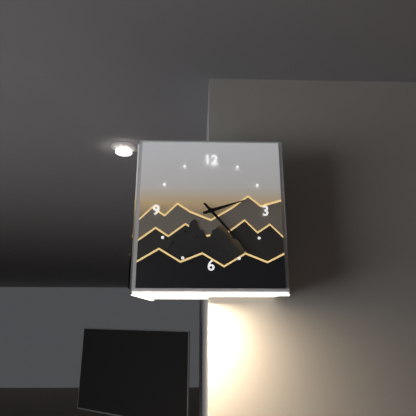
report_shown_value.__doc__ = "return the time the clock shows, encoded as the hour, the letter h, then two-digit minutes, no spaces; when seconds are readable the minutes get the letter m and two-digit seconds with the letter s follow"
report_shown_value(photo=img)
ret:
2h23
